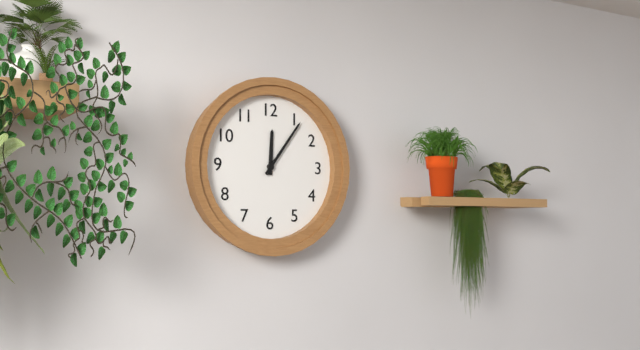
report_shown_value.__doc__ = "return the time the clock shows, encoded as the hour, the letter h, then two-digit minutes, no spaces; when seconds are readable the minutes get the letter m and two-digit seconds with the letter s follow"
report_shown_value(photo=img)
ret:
12h06
